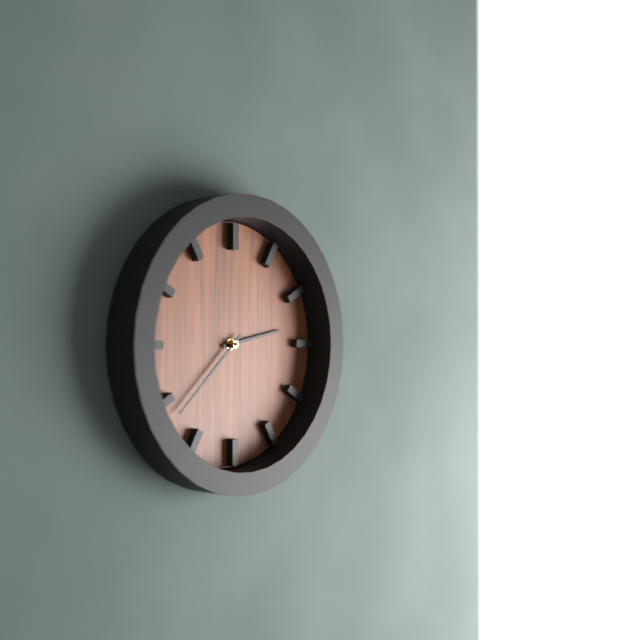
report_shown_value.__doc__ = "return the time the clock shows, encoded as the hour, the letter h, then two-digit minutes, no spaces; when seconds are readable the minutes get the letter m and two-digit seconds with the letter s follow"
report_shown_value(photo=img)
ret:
2h38
